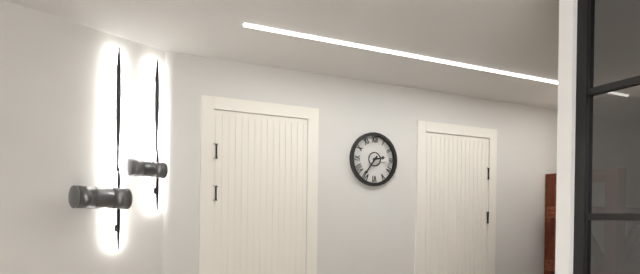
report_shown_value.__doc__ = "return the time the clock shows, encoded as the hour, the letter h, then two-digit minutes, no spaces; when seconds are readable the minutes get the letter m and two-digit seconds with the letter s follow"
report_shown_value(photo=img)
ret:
2h36
